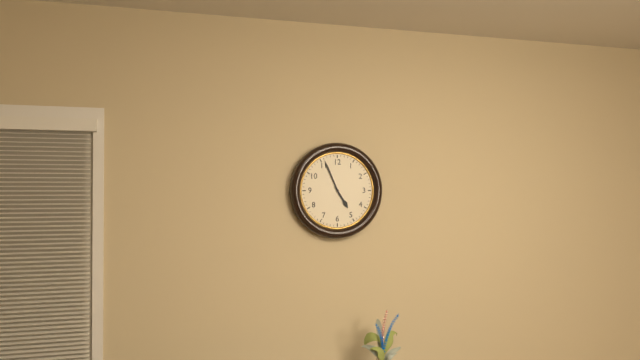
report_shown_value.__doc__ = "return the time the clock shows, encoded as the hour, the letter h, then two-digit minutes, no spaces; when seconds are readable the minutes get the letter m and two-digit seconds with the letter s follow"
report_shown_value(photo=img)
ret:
4h56
